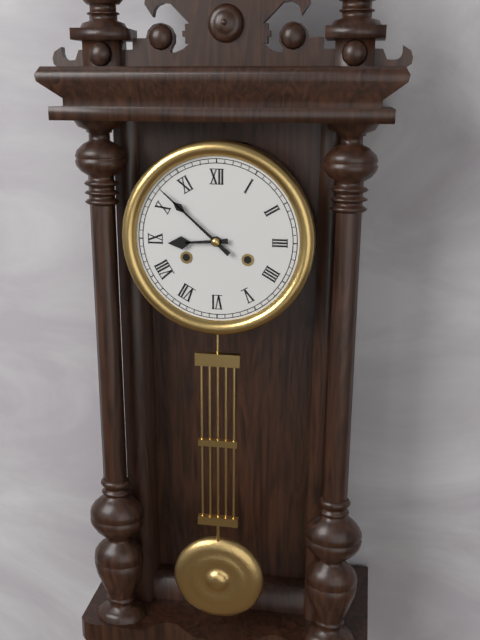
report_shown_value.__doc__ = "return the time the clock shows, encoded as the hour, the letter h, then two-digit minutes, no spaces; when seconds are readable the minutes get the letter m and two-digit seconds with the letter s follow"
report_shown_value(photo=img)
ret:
8h52
